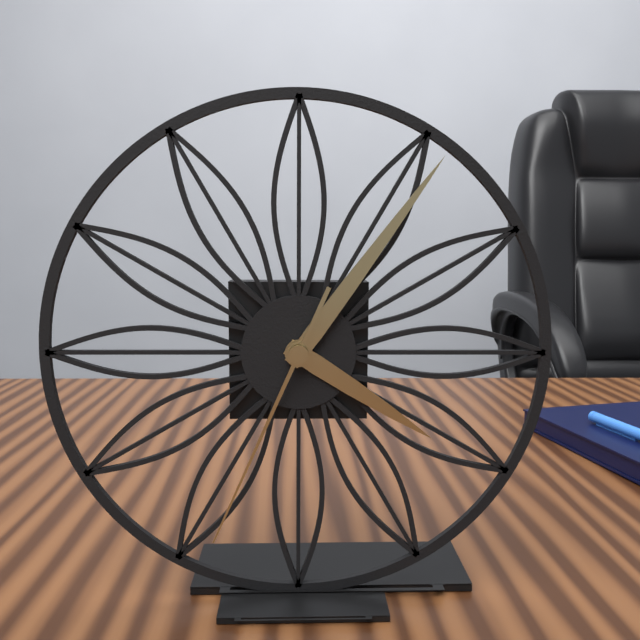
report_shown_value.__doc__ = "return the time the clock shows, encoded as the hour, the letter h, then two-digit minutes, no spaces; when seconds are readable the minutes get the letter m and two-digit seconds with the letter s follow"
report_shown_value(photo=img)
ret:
4h06m34s
